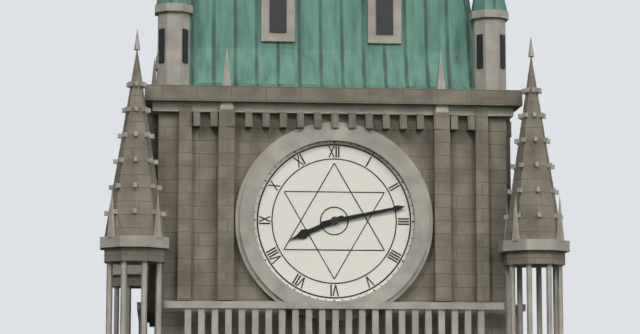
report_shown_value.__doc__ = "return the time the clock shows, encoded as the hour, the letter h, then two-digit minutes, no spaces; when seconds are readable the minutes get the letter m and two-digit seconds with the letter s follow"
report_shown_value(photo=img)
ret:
8h13
